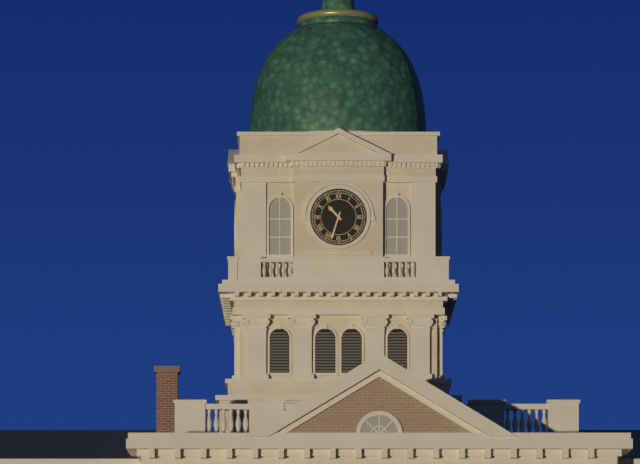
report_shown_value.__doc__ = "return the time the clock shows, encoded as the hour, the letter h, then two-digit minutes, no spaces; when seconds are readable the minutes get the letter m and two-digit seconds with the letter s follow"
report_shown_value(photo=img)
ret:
10h33
